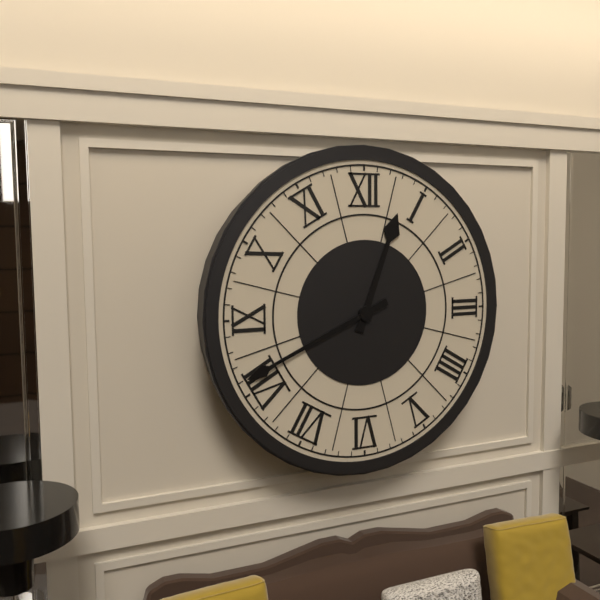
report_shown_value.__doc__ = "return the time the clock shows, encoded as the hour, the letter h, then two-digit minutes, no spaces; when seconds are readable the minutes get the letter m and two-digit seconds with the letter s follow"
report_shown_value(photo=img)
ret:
12h41
